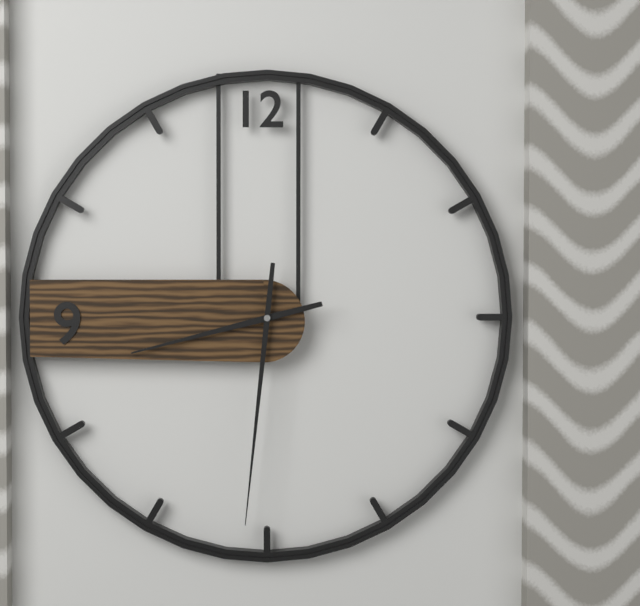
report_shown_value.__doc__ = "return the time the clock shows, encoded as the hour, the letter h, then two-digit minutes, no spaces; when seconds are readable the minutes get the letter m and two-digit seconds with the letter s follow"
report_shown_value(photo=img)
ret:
8h31
